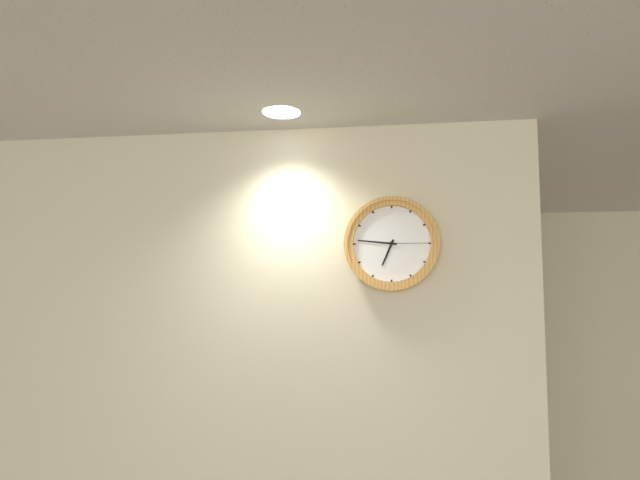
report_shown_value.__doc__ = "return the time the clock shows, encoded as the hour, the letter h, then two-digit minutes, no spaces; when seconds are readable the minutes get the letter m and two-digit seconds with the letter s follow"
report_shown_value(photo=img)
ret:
6h46
